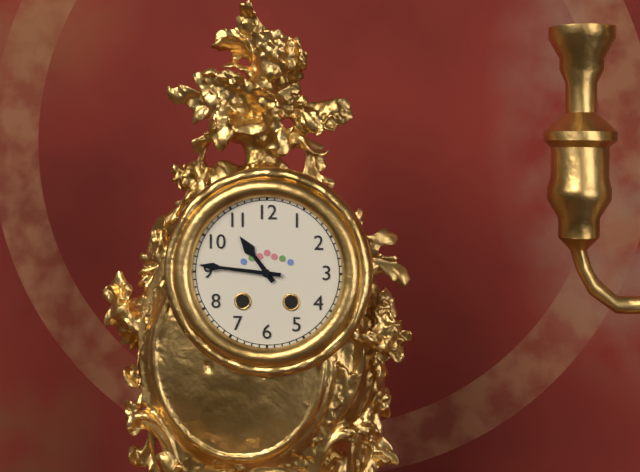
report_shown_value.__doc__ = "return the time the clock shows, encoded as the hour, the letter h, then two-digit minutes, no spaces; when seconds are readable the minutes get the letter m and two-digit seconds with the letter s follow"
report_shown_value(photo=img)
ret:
10h46
